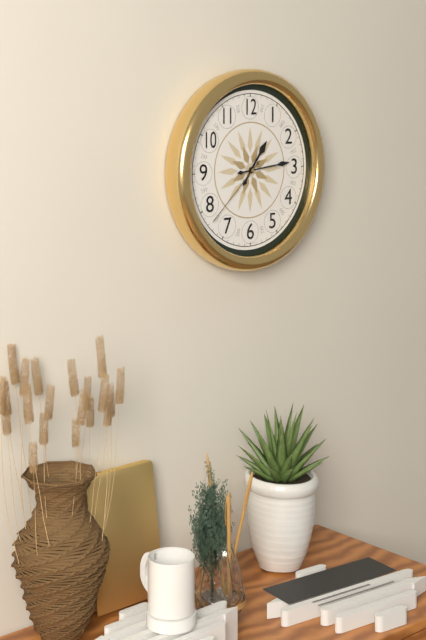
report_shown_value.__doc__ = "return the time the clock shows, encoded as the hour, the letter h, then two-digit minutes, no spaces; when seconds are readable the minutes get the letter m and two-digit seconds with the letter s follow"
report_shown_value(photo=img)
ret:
1h14m38s
